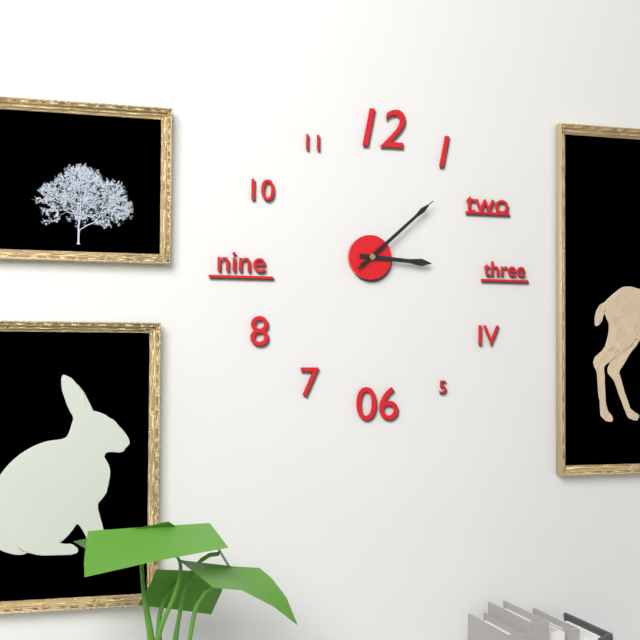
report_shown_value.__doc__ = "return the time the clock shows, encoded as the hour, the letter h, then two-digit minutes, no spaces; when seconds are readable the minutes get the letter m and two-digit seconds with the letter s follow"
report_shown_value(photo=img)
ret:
3h08m08s
